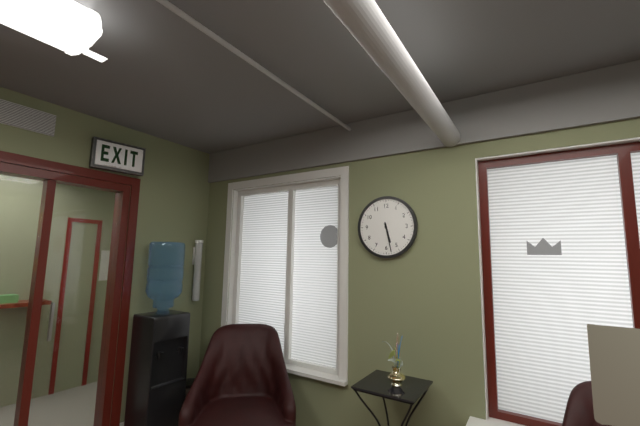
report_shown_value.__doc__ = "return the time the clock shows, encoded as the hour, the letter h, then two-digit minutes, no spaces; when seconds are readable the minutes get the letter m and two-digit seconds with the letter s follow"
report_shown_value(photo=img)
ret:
5h28
